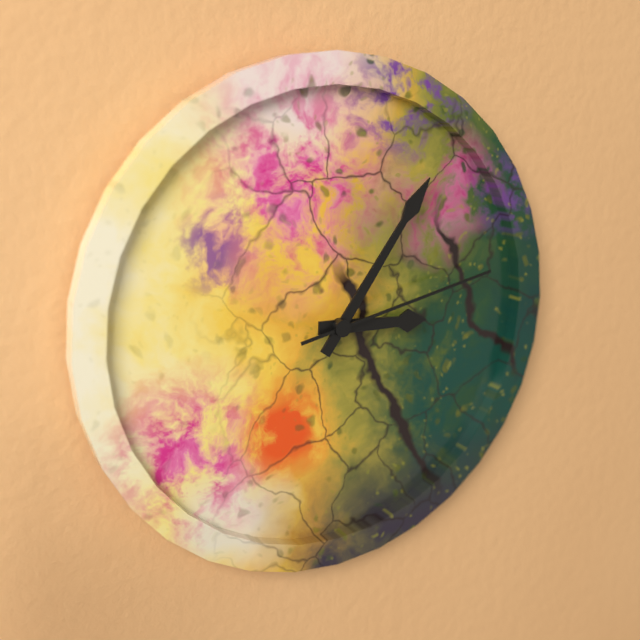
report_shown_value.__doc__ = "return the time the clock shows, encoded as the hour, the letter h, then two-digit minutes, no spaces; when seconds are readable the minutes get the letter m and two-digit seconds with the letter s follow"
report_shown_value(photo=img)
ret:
3h06m13s
